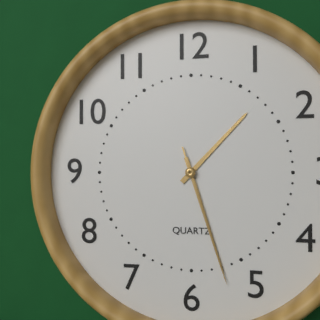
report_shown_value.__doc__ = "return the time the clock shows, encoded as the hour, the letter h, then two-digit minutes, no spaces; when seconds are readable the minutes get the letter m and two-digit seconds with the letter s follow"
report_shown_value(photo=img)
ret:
1h27m27s
